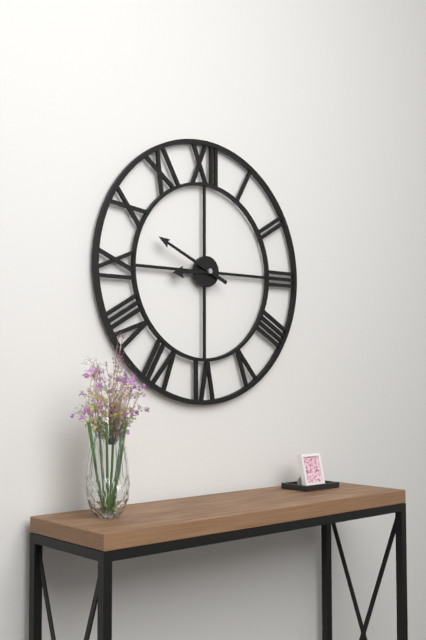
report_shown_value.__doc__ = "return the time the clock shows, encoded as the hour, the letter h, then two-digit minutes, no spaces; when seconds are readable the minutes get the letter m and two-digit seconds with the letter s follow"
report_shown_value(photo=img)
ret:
8h49
